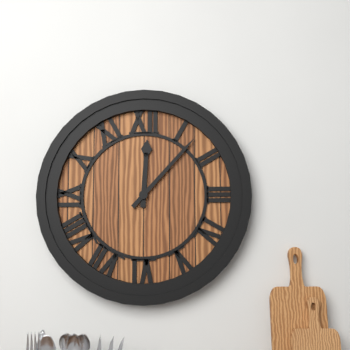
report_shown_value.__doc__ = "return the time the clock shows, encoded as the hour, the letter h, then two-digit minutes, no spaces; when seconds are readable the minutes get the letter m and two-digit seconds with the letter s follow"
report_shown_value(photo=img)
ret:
12h07
